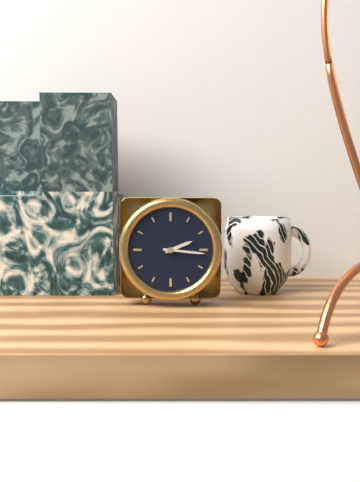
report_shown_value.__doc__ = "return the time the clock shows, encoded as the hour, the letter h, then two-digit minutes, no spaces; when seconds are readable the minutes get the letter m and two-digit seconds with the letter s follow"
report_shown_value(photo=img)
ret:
2h16
